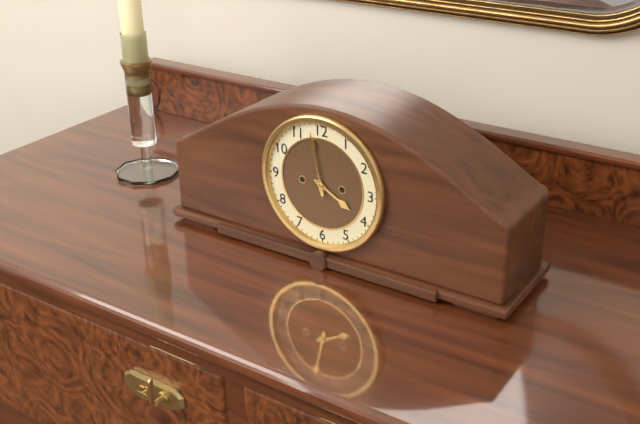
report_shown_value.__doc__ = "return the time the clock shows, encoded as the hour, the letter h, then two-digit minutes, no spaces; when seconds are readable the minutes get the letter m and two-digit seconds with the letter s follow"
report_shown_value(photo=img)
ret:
3h58
